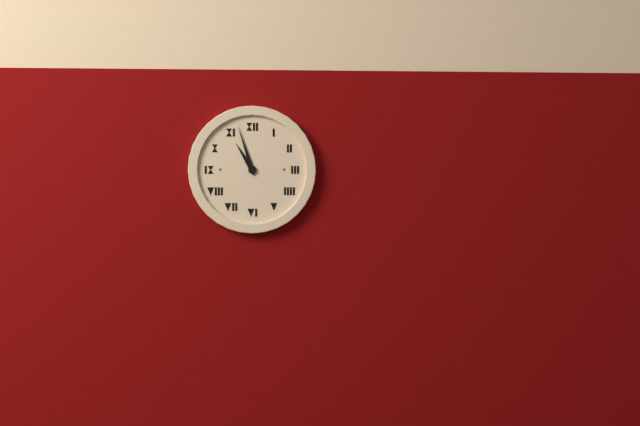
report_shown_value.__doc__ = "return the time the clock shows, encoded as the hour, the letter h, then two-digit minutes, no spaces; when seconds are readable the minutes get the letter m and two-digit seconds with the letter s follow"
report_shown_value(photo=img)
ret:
10h57
